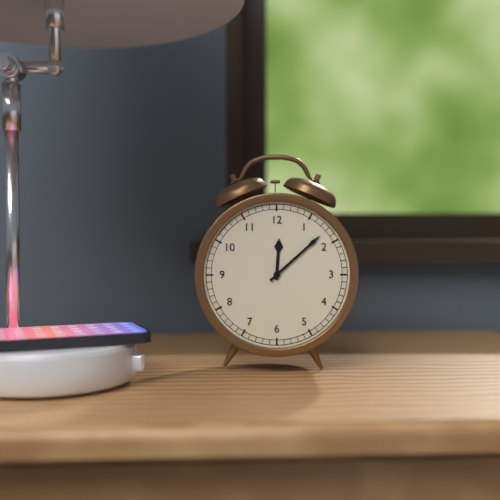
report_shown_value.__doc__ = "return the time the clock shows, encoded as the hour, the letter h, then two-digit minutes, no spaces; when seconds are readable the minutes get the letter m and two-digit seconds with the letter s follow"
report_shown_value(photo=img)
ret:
12h08
